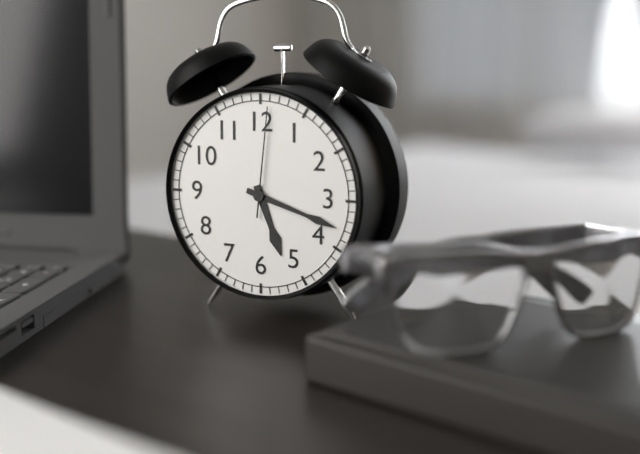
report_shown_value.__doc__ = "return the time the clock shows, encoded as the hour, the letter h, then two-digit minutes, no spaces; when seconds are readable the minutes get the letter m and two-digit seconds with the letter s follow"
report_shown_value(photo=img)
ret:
5h18m01s
